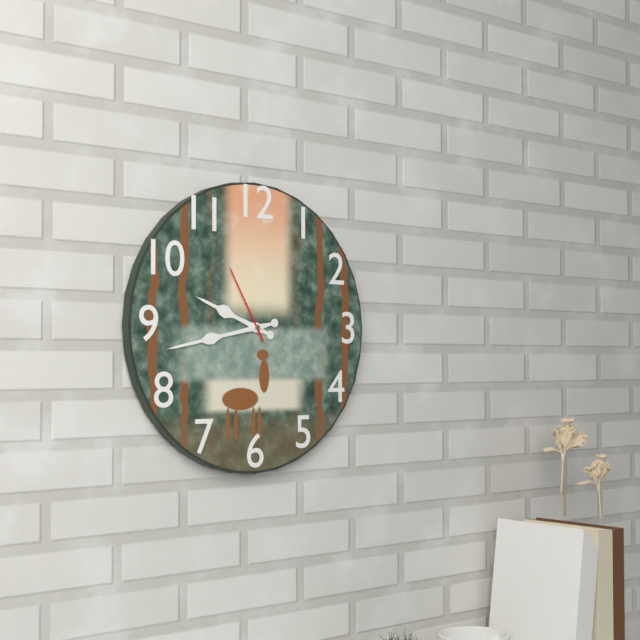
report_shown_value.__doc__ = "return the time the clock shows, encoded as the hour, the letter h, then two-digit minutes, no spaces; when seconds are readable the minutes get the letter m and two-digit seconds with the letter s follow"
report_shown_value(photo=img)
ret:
9h43m55s
